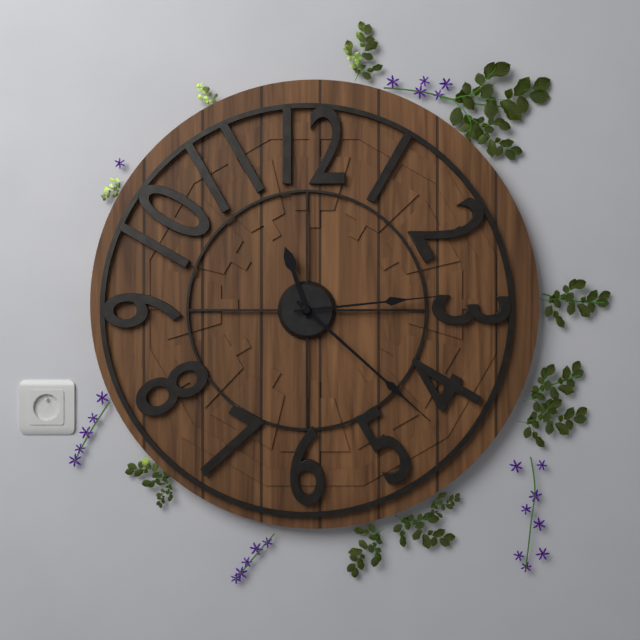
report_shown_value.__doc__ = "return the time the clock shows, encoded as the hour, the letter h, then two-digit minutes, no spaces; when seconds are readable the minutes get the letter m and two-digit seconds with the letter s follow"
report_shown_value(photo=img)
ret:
11h22m14s
